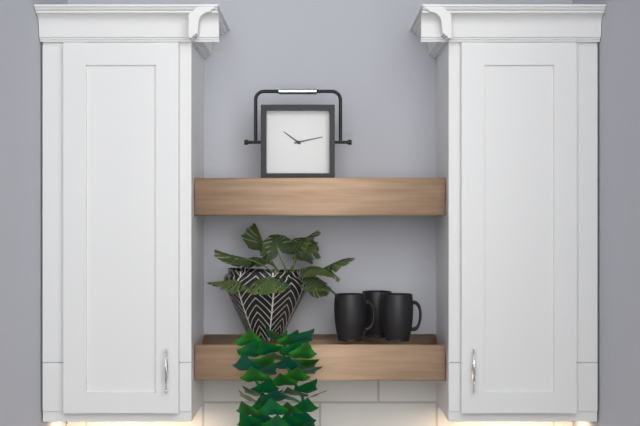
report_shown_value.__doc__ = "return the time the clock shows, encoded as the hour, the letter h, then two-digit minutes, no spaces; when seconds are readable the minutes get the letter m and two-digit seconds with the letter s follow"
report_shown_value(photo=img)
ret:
10h13
